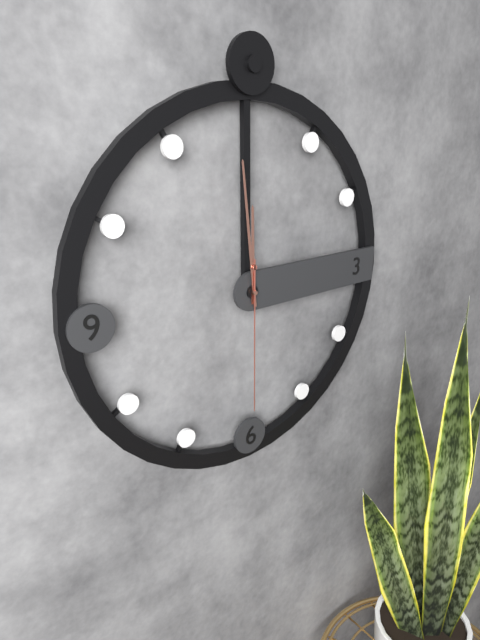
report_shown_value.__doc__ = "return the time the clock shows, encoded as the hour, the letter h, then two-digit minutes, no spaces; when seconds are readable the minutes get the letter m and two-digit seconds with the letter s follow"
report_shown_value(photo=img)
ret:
11h59m30s
